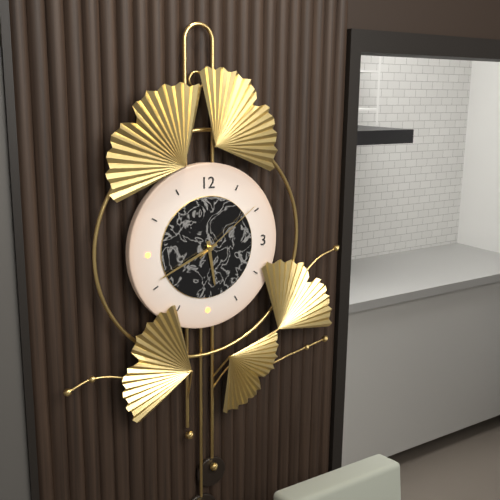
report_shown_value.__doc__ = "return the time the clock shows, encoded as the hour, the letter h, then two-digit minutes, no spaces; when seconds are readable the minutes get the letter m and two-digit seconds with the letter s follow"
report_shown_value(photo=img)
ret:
5h41m09s
